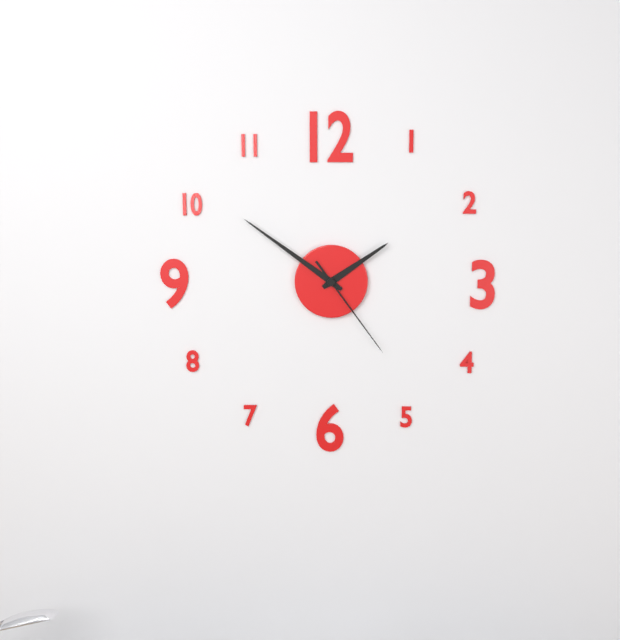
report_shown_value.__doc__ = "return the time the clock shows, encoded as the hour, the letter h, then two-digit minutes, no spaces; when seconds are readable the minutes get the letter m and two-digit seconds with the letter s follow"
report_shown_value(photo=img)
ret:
1h51m24s
